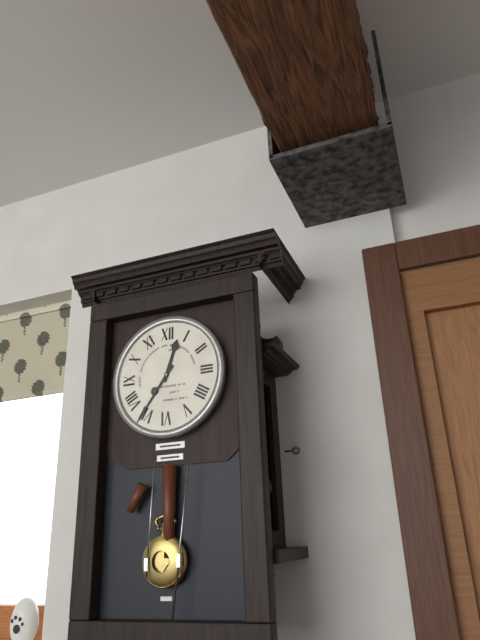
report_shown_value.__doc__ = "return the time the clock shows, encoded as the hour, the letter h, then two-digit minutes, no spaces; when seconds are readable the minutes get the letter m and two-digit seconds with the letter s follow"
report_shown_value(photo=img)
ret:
12h36
